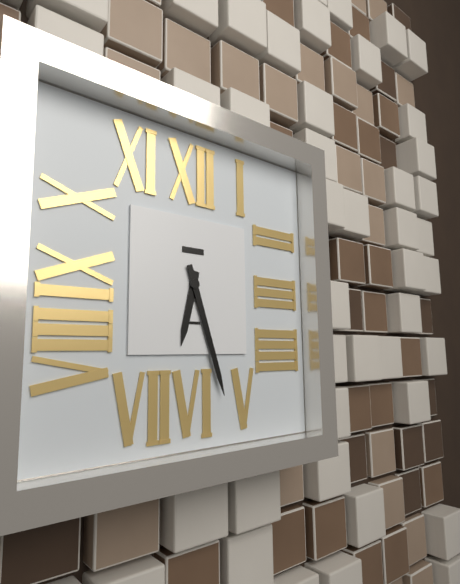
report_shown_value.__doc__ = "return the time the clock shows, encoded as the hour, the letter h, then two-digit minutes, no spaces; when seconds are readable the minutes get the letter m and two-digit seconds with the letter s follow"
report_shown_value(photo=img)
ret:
6h27
